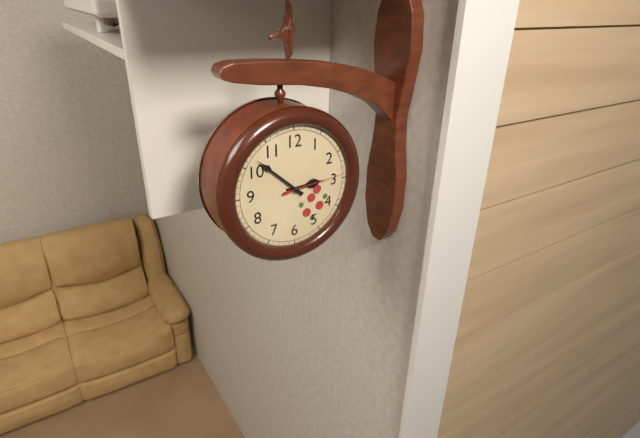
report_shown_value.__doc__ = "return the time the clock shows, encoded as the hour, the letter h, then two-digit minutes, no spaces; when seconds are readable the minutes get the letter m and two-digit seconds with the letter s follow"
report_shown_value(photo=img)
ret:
2h52m14s
